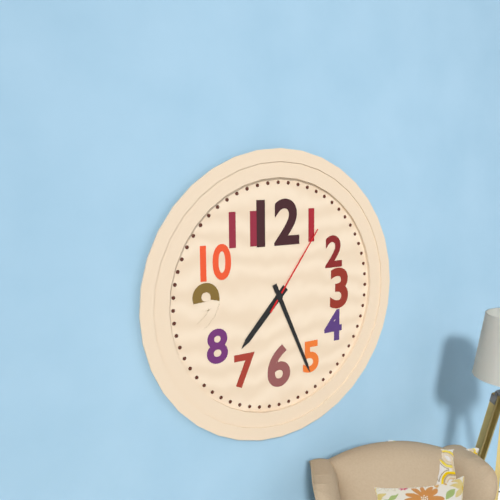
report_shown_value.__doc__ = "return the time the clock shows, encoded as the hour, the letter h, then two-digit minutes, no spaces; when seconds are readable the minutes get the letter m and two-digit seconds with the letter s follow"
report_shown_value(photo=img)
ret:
7h26m06s
